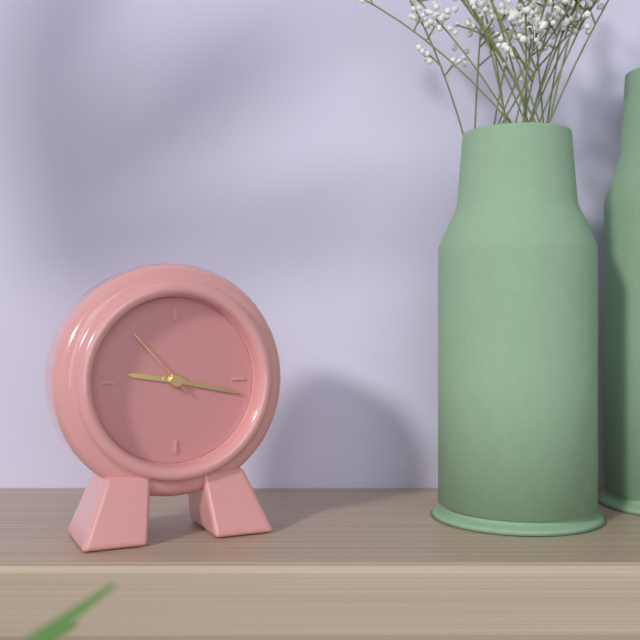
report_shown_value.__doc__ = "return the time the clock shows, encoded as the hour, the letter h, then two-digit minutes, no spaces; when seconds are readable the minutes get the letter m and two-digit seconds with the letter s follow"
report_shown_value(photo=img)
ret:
9h17m53s
